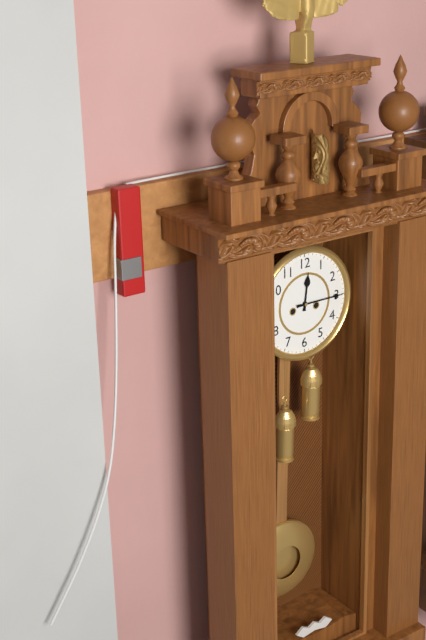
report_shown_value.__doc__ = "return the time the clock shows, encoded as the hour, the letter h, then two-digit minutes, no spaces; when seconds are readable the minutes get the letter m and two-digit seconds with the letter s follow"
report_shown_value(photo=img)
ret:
12h15
